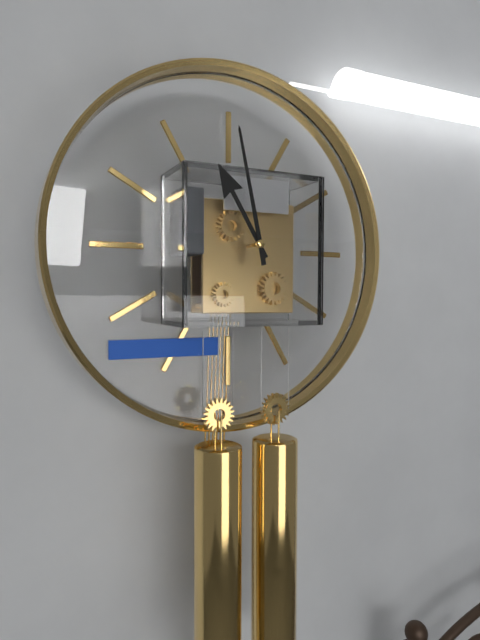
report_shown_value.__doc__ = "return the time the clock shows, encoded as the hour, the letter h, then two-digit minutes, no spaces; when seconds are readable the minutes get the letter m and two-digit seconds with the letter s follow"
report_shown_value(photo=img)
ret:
10h58
